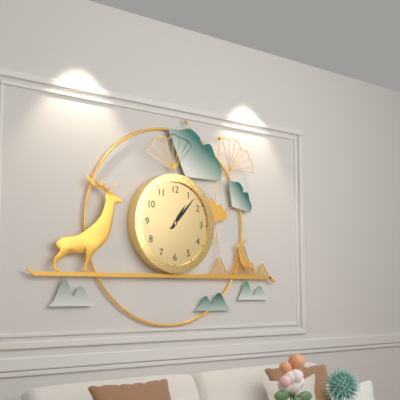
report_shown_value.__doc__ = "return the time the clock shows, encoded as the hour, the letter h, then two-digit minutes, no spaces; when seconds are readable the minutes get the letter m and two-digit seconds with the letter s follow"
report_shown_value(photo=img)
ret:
1h07
